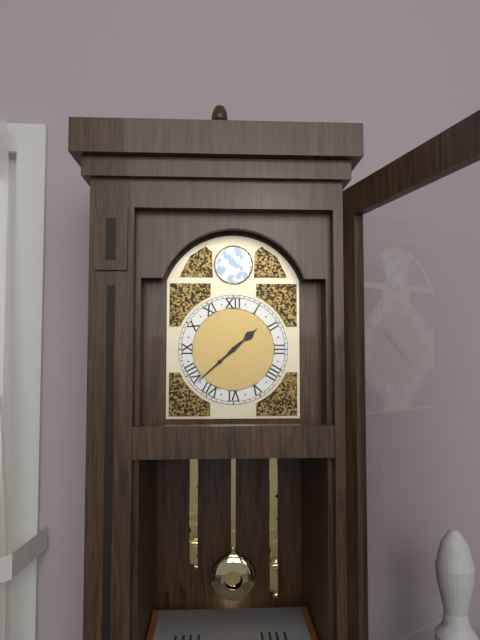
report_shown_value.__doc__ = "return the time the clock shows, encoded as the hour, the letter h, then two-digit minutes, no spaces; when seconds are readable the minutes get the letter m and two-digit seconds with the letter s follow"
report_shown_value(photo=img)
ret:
1h38
